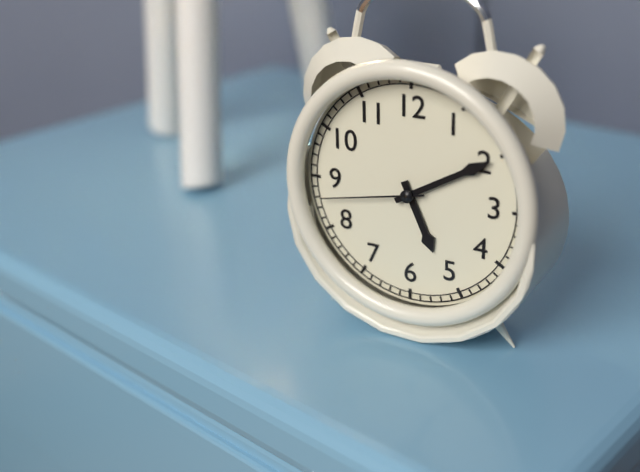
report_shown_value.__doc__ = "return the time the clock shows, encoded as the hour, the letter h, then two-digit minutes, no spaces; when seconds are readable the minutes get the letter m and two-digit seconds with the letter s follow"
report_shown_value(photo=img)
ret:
5h10m43s
